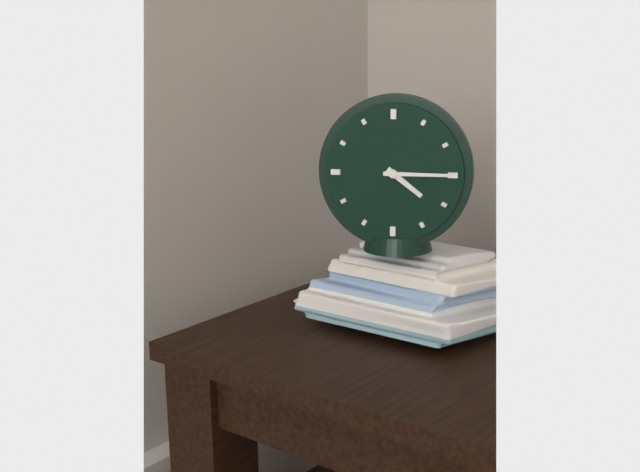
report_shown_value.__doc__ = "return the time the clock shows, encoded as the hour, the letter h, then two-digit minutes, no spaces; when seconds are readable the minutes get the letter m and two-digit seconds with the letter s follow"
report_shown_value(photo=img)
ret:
4h15
